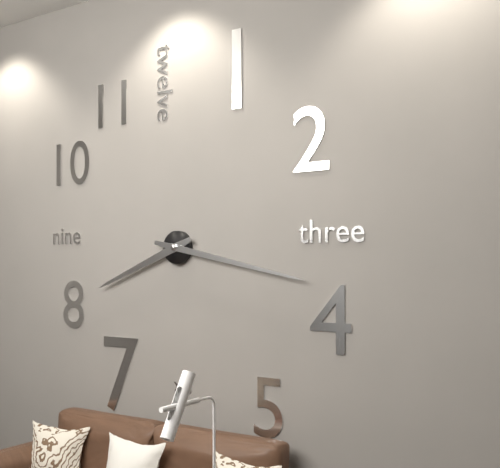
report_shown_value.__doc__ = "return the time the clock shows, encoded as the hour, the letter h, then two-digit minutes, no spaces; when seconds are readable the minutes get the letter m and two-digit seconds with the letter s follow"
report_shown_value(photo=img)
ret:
8h17
